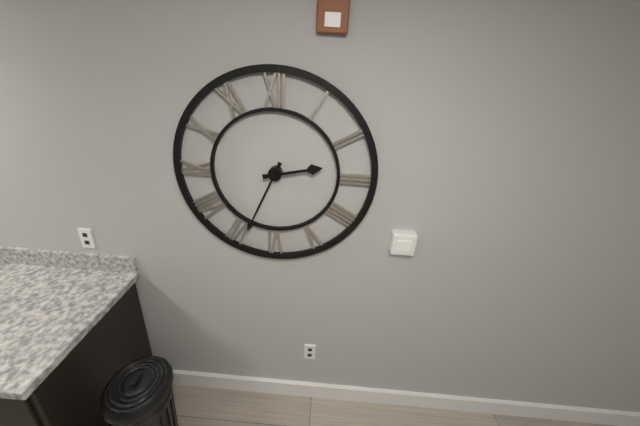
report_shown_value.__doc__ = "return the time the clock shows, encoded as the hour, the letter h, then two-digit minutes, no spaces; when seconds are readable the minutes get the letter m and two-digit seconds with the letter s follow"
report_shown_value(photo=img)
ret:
2h34
